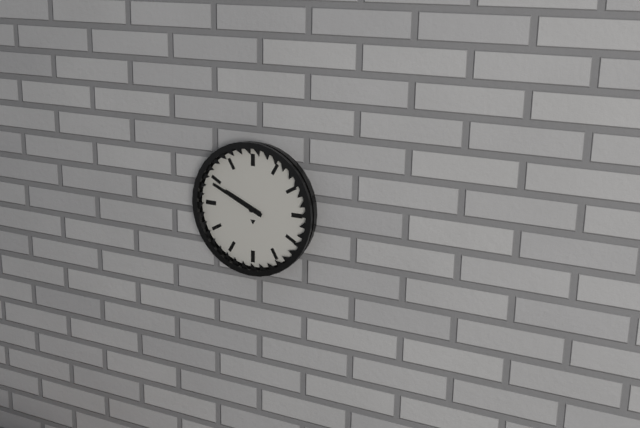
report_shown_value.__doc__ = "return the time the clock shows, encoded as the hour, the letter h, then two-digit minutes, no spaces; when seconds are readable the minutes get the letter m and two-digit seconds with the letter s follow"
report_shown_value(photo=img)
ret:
9h49
